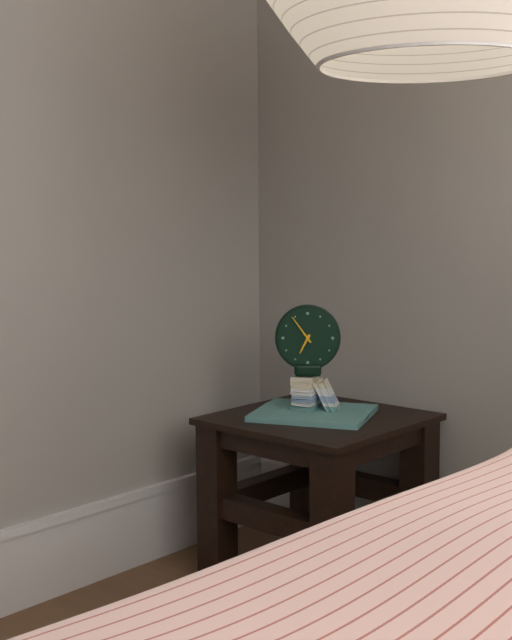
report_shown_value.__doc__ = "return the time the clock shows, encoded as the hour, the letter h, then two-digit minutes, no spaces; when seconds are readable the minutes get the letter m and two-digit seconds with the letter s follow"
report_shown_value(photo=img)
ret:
6h54
